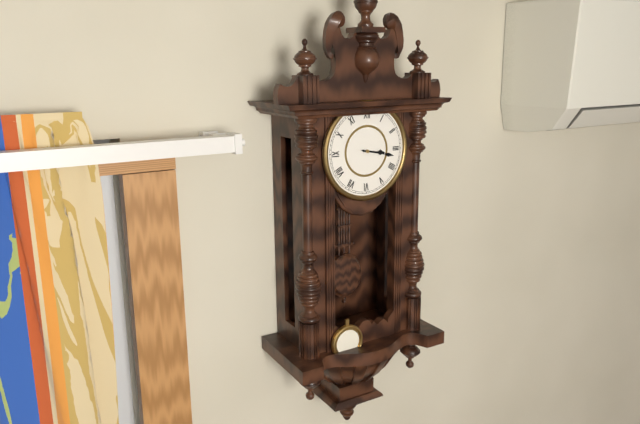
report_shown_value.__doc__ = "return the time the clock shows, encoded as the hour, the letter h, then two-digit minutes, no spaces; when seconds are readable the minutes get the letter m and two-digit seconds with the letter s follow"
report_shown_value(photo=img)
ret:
3h17
